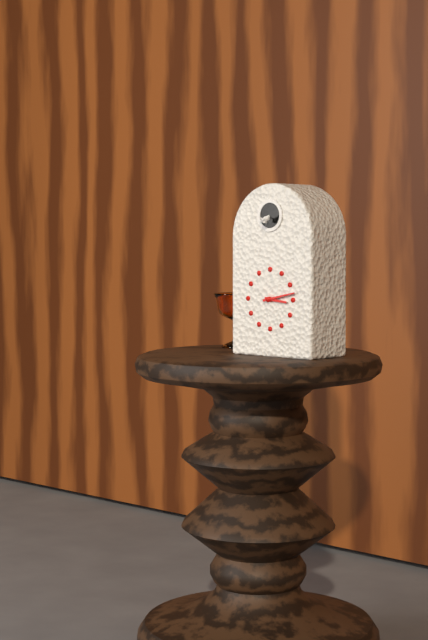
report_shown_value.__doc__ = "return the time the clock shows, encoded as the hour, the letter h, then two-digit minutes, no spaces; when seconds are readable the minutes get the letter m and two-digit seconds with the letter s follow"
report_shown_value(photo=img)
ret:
3h13
